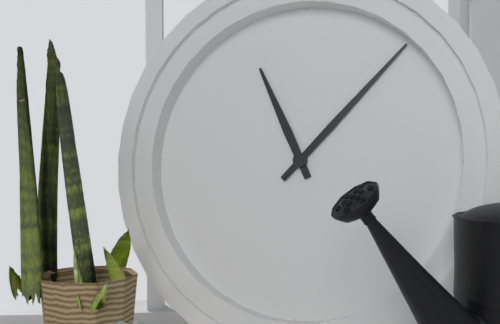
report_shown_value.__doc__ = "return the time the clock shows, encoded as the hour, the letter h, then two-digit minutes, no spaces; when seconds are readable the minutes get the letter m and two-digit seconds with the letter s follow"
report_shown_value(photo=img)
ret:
11h07
